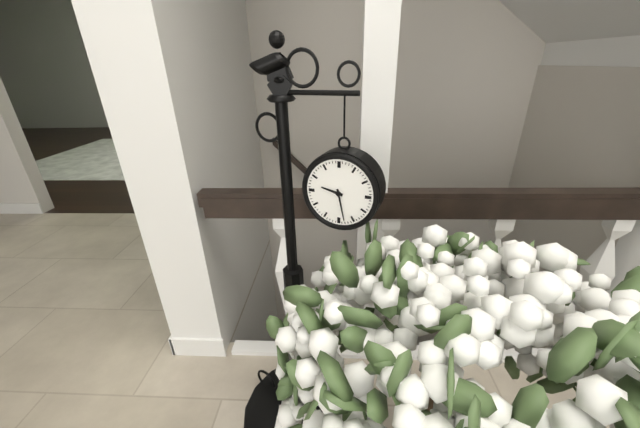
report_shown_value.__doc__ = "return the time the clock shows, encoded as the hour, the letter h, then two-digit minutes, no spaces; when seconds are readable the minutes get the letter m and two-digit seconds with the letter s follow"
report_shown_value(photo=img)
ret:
9h28
